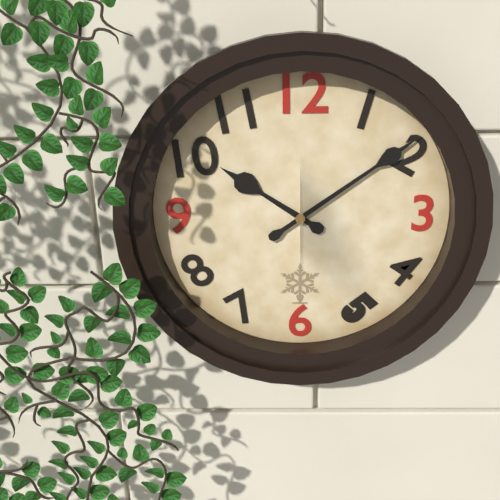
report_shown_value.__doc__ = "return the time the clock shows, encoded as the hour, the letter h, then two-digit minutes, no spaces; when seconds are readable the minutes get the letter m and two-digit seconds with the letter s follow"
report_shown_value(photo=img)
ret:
10h09
